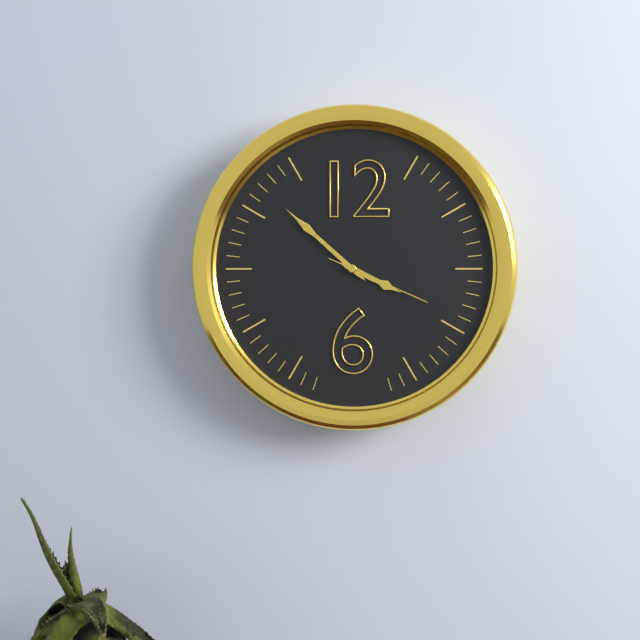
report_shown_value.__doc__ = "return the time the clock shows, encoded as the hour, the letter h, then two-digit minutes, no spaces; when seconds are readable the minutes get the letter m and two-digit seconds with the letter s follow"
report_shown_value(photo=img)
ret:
3h52m19s
